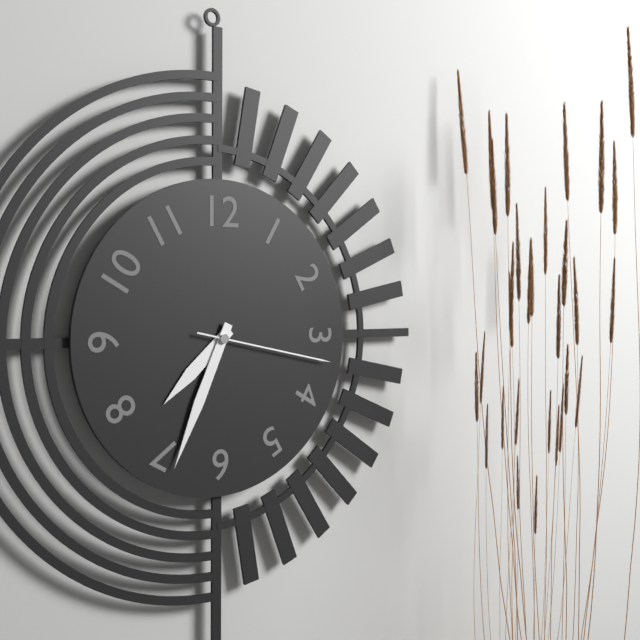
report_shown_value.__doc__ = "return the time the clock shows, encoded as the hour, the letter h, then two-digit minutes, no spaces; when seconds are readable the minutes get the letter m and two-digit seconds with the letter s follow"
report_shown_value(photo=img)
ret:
7h34m17s
